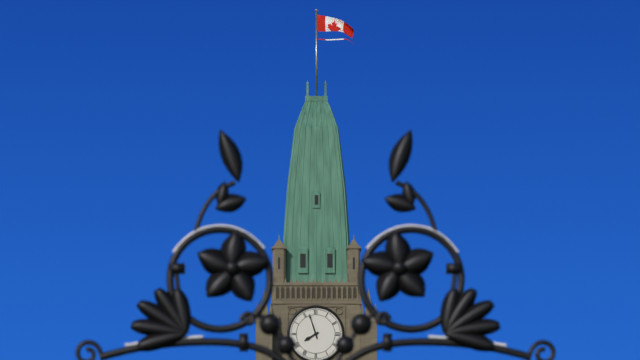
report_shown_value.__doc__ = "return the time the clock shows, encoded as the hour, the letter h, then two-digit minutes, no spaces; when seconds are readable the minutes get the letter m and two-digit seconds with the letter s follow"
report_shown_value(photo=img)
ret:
7h57
